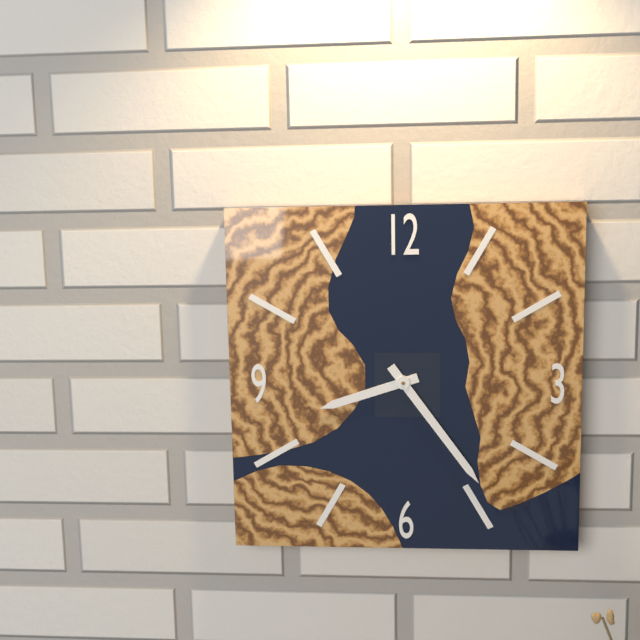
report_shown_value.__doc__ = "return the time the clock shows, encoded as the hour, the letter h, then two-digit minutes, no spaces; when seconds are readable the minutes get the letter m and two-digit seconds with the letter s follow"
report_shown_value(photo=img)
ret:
8h24
